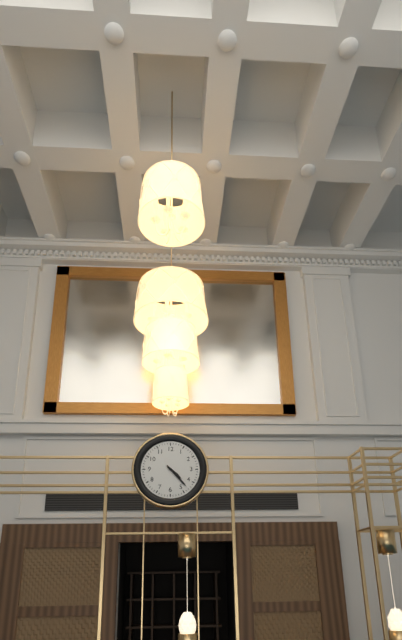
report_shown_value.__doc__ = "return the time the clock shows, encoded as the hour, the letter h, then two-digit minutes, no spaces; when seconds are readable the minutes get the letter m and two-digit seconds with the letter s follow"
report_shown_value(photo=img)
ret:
4h23
